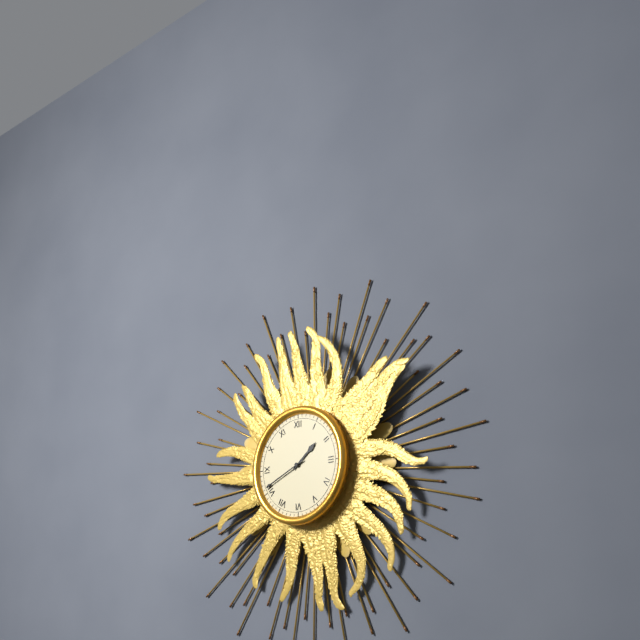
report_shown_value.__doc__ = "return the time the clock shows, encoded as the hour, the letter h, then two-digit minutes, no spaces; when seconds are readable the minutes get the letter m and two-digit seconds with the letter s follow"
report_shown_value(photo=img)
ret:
1h41
